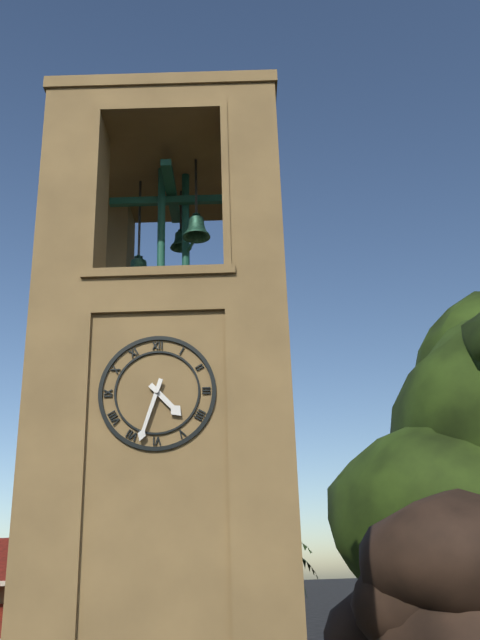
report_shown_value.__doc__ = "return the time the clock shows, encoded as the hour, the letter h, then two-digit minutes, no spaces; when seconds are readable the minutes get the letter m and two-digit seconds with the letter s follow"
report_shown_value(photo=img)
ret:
4h33
